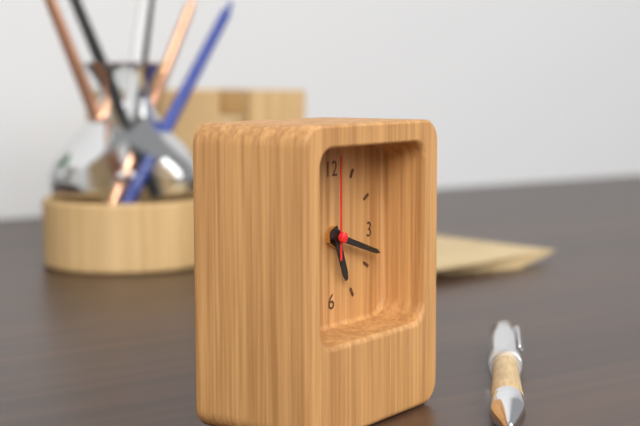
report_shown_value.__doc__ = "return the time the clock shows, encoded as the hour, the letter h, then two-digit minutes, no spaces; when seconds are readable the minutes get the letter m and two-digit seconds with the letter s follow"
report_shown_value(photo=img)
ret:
5h18m00s
